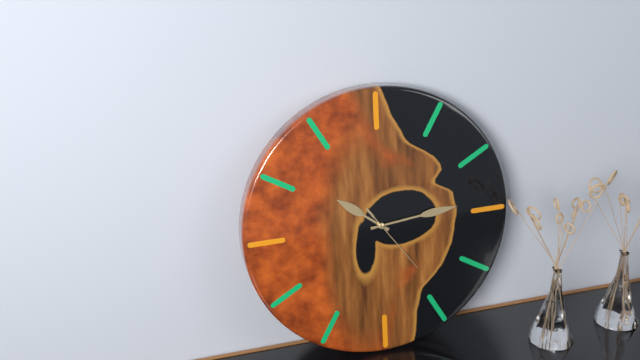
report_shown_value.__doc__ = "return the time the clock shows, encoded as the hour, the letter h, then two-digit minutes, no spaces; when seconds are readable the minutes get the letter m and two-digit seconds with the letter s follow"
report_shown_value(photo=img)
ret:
10h14m24s
